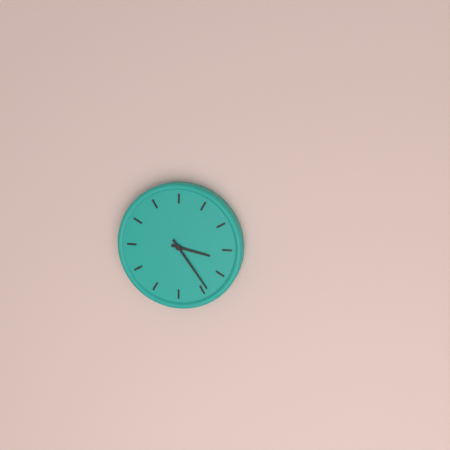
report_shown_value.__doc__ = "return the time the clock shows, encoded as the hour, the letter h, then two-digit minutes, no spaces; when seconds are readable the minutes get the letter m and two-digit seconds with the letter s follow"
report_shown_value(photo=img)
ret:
3h24
